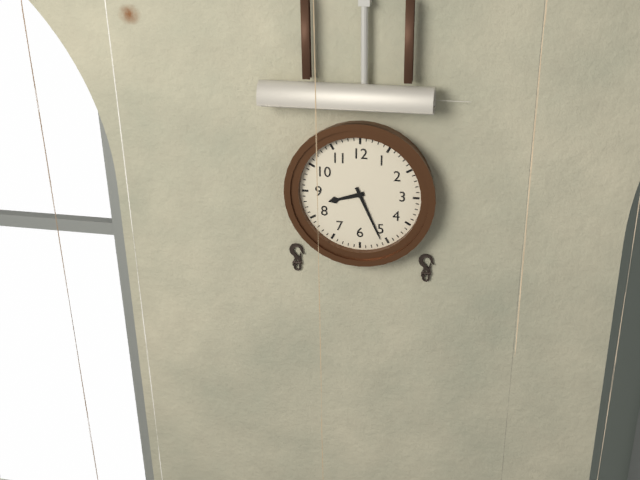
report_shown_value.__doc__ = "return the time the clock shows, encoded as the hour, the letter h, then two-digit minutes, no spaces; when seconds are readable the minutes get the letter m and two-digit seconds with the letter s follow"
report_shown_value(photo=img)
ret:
8h26
